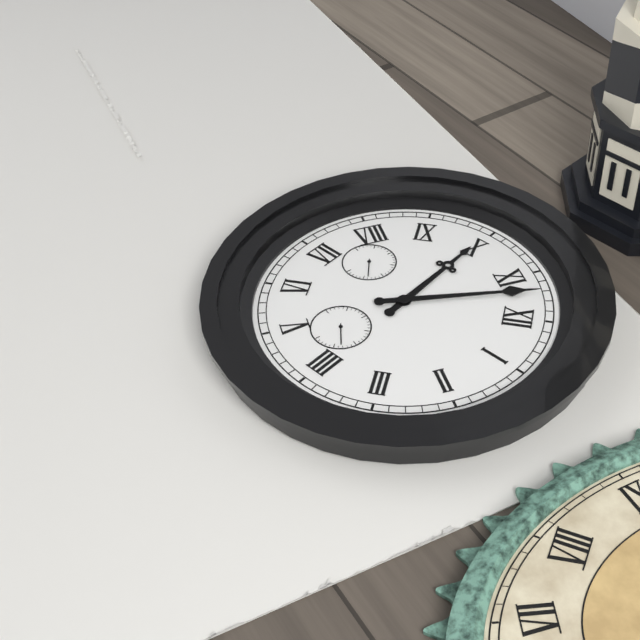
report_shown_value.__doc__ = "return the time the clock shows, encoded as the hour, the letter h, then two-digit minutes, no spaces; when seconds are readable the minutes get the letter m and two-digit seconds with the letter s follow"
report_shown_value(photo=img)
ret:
9h57
